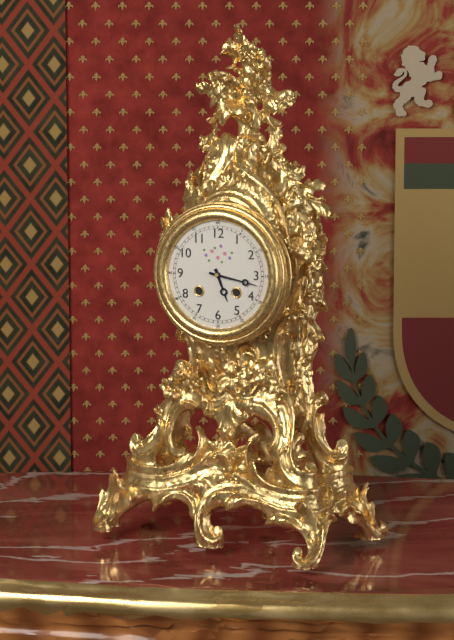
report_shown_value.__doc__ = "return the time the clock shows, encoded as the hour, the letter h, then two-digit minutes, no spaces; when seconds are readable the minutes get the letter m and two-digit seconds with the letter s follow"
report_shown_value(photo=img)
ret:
5h17
